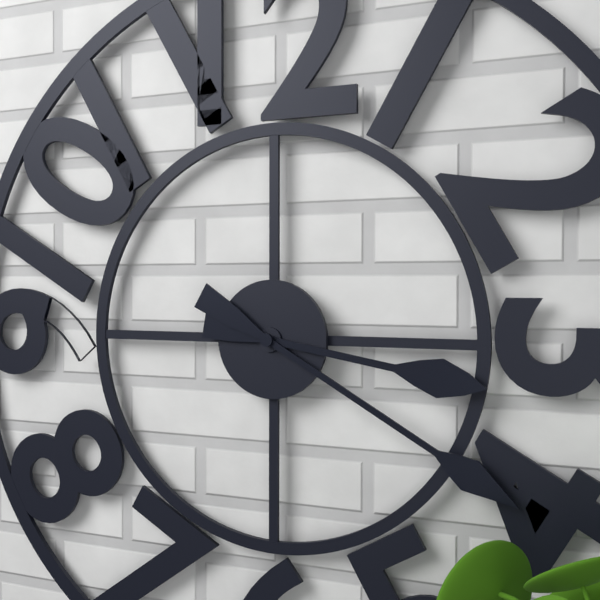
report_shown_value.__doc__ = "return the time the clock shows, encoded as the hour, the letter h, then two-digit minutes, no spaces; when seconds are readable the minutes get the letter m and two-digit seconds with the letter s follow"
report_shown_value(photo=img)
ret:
3h20
